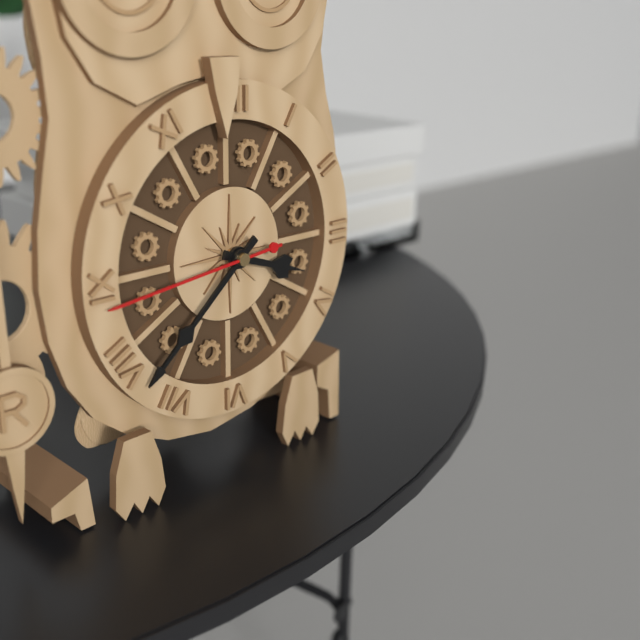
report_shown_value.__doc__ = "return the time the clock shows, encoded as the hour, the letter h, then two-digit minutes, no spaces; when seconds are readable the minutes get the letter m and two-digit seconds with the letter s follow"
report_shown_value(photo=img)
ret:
3h38m44s
